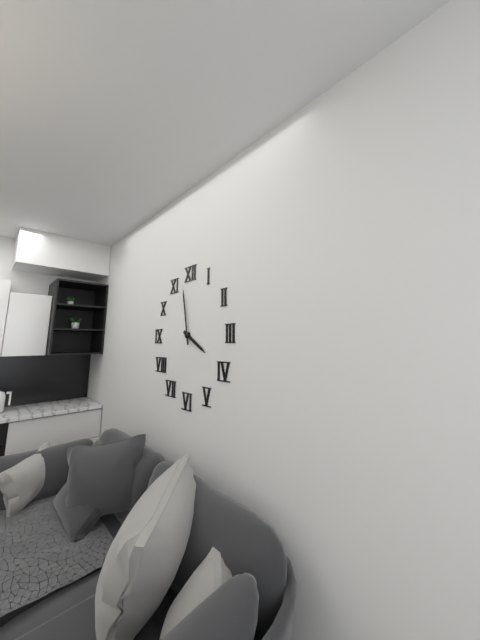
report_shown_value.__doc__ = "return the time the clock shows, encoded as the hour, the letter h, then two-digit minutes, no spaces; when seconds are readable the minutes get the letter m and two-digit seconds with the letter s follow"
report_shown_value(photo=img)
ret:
3h58
